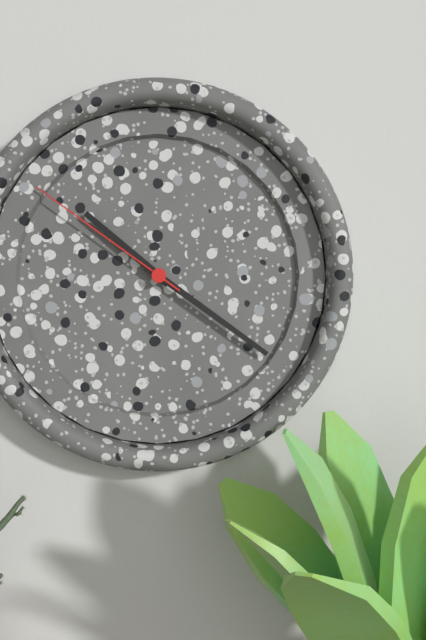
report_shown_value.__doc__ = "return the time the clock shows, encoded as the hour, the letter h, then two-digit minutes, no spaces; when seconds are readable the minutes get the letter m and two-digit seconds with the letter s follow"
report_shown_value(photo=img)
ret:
10h21m51s
